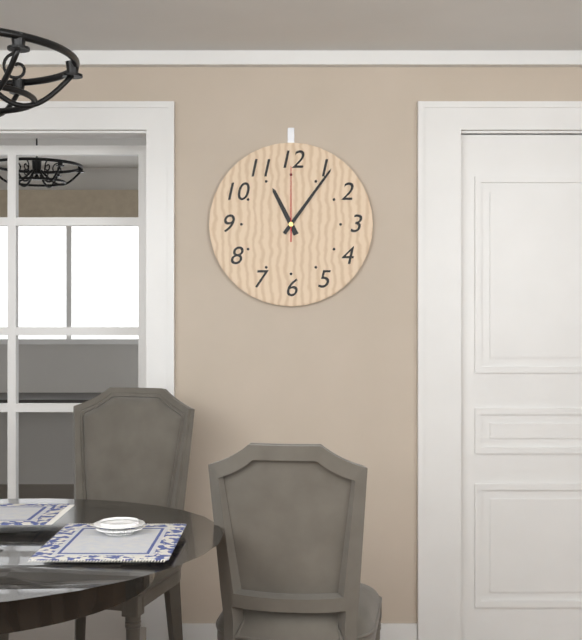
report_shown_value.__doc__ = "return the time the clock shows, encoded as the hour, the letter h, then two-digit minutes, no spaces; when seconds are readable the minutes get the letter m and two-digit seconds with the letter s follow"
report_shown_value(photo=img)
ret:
11h06m00s
